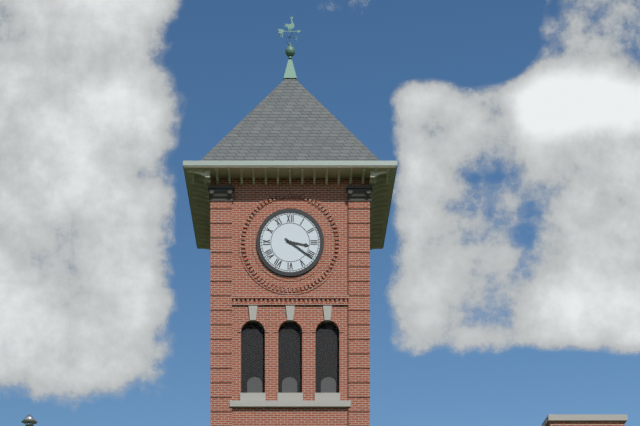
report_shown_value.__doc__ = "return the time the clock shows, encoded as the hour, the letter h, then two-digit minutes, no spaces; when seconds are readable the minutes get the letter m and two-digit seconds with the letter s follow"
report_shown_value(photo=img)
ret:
3h21
